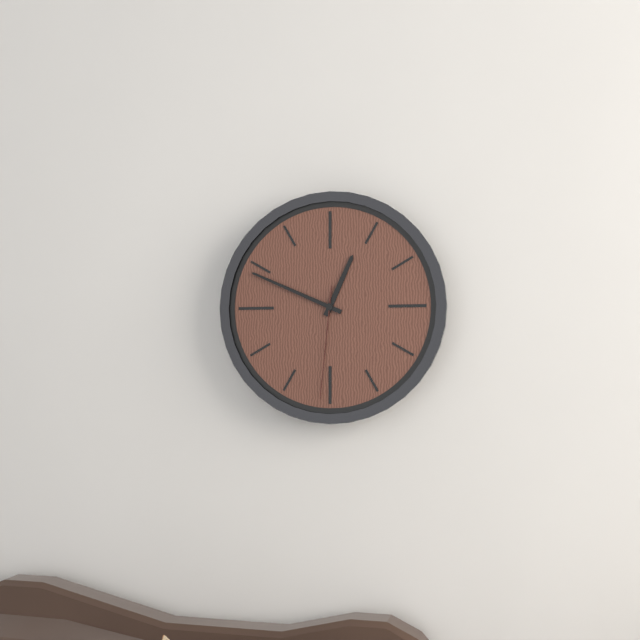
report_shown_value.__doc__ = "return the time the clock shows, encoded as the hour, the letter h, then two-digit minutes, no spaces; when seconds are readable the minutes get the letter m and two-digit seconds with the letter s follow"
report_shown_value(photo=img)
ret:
12h49m31s
